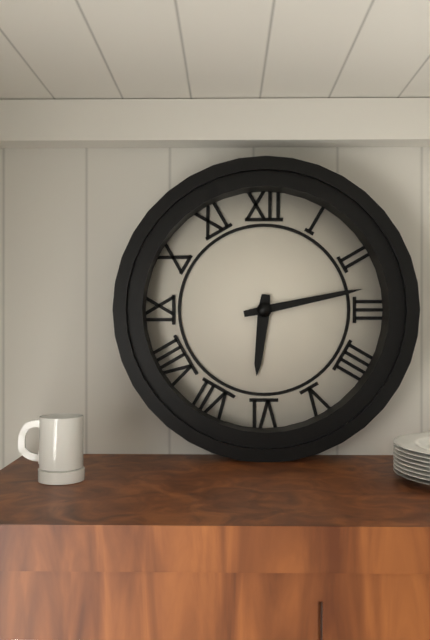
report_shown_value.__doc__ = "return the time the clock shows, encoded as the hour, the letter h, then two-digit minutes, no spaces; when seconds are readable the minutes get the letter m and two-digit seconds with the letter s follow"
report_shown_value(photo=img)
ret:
6h13
